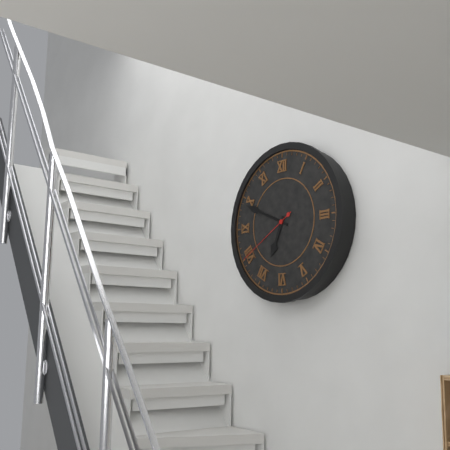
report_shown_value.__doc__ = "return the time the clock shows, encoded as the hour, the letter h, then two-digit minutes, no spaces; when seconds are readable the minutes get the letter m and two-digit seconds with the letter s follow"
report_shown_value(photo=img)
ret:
6h49m40s
